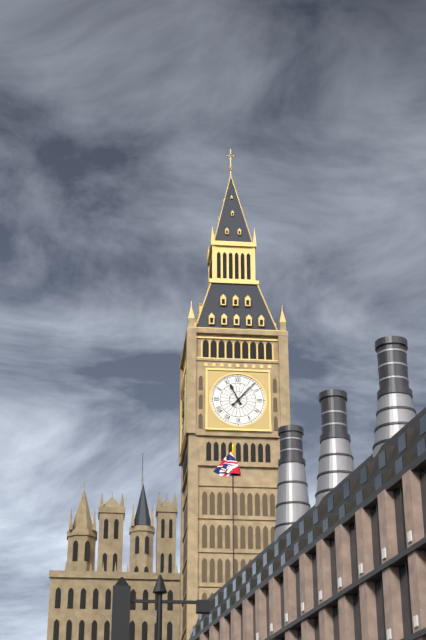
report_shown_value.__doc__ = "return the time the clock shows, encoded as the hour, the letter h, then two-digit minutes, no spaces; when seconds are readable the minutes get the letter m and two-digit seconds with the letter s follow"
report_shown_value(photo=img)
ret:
11h07
